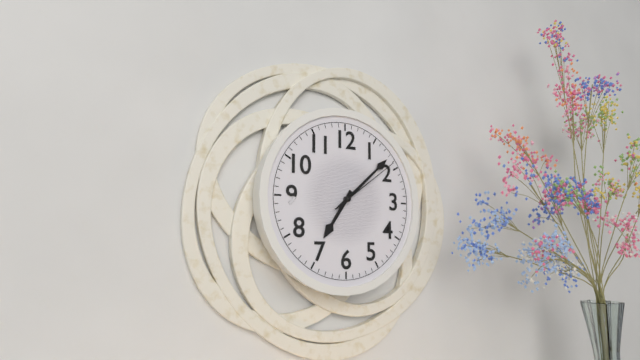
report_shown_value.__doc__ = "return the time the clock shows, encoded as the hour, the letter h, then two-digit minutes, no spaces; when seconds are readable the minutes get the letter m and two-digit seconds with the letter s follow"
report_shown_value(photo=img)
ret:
7h08m09s
